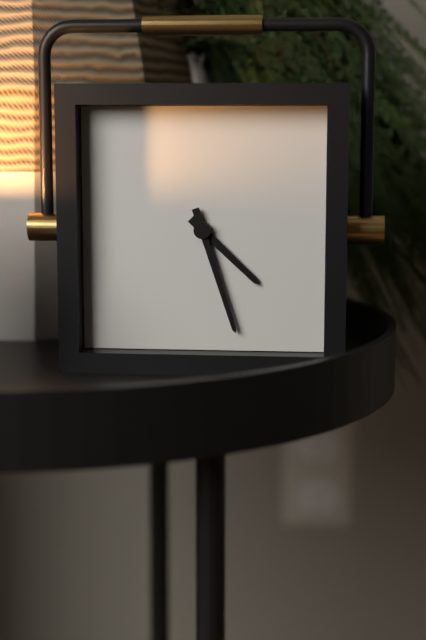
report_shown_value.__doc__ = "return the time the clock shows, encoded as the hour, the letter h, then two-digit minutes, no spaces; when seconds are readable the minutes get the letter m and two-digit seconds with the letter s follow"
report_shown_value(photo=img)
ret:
4h27
